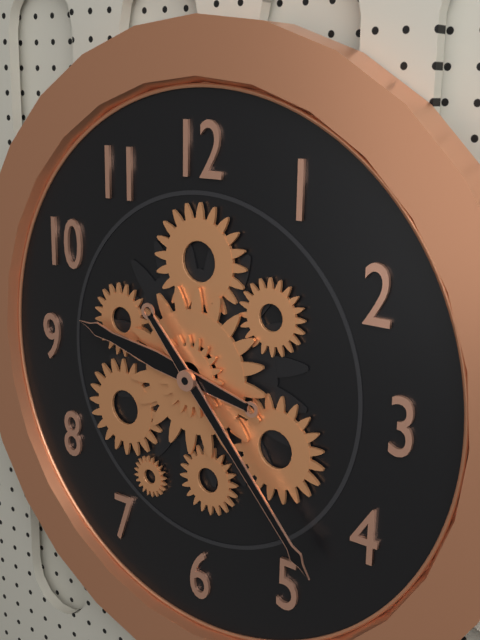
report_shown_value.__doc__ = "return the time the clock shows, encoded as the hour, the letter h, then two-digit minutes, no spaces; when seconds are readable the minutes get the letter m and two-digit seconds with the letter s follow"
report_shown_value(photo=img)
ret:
9h23
